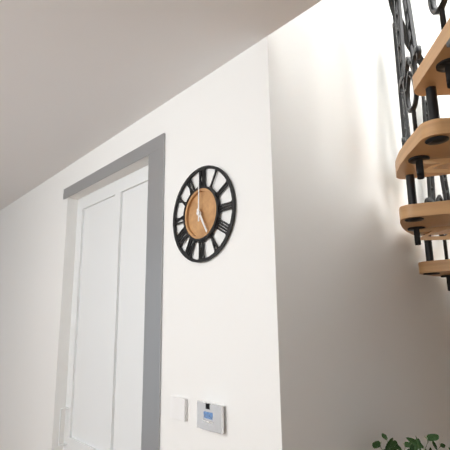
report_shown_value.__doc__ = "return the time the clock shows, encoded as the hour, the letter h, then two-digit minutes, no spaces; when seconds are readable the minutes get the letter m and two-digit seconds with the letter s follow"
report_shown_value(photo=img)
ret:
5h00
